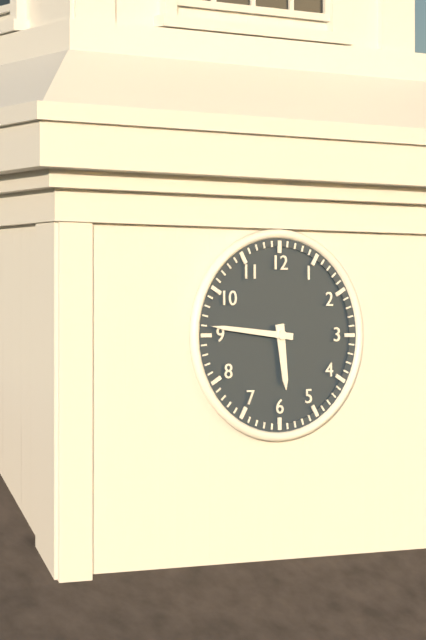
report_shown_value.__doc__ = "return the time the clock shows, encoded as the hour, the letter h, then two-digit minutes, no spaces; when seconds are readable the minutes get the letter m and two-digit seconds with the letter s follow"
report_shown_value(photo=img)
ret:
5h46
